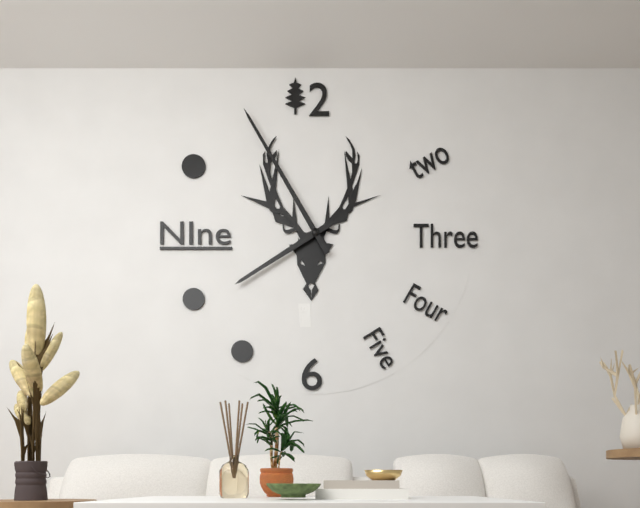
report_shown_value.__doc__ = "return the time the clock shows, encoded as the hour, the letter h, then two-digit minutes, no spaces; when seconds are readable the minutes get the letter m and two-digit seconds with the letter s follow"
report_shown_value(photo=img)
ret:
7h55
